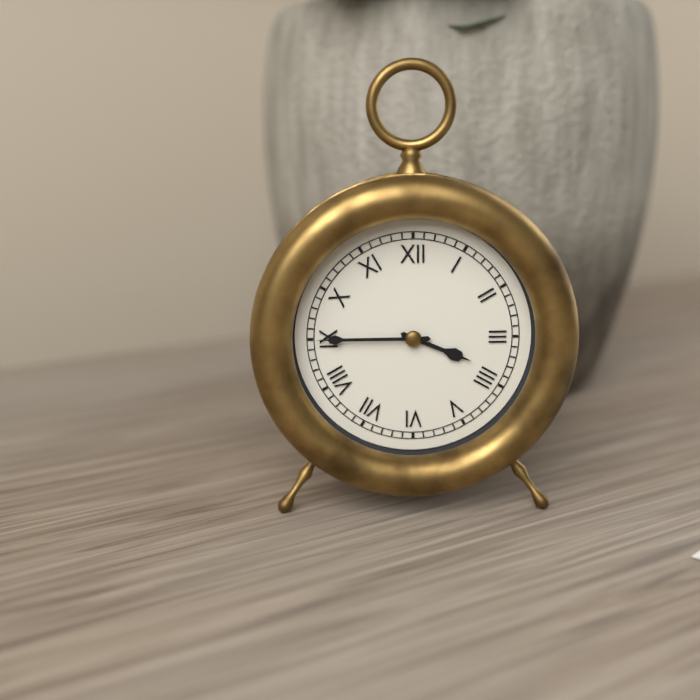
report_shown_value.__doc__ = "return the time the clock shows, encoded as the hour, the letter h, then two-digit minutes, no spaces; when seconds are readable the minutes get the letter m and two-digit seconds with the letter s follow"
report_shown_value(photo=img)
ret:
3h45
